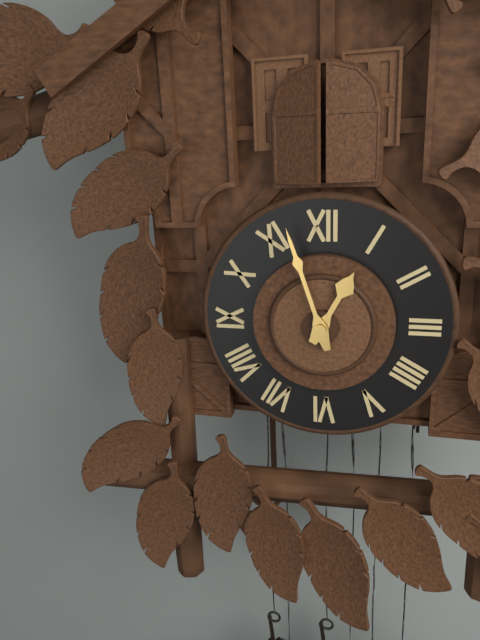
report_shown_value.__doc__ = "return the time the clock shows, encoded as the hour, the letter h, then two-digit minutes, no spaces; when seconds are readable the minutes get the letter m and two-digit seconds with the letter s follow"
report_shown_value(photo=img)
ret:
12h57
